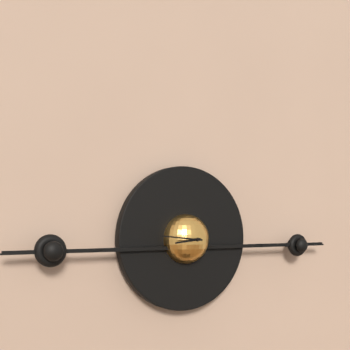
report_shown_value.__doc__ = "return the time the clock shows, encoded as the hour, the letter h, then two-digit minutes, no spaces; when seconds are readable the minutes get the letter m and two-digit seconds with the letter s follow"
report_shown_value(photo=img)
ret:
8h46
